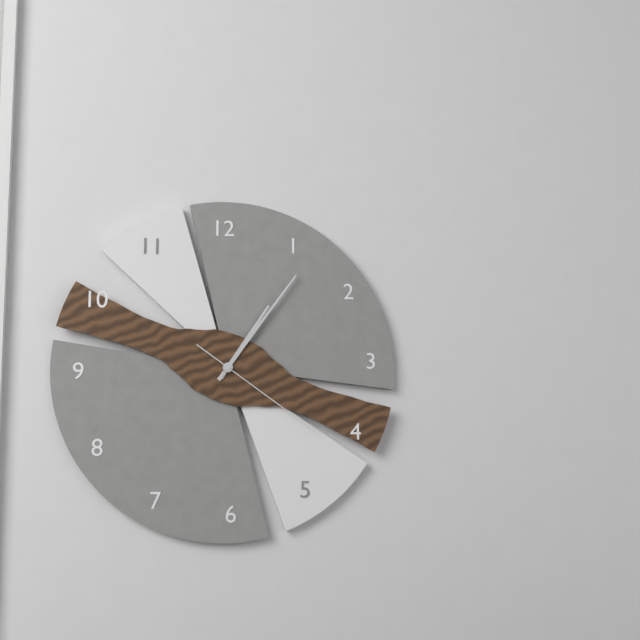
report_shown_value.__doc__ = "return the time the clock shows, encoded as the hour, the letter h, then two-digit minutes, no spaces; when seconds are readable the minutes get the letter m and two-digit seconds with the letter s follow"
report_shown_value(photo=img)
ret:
1h06m21s
